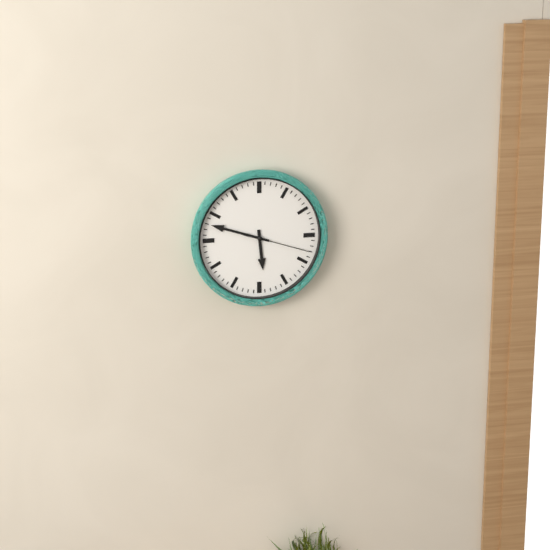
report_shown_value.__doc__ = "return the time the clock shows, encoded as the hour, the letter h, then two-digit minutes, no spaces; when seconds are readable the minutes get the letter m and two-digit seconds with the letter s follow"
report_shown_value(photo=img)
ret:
5h48m18s
